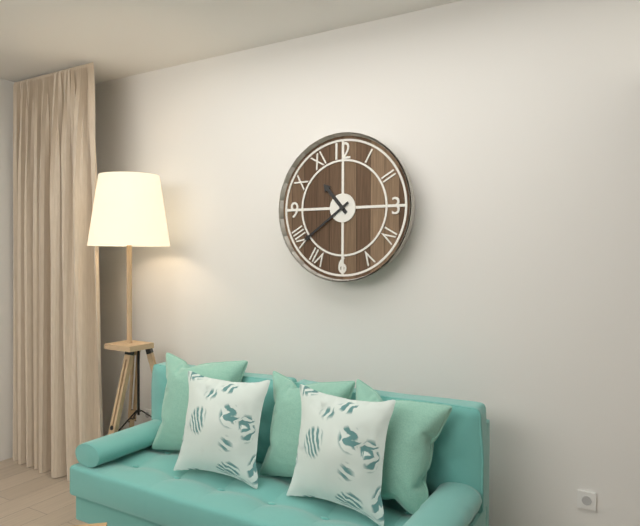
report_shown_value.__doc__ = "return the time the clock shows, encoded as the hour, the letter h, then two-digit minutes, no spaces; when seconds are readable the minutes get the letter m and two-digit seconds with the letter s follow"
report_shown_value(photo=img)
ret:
10h39
